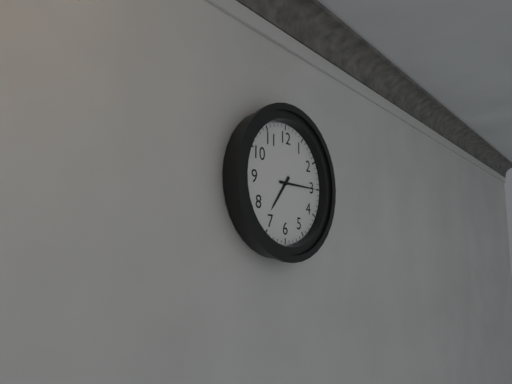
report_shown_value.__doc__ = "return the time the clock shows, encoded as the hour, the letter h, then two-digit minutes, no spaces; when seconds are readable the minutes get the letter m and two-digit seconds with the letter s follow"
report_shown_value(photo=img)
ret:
7h15
